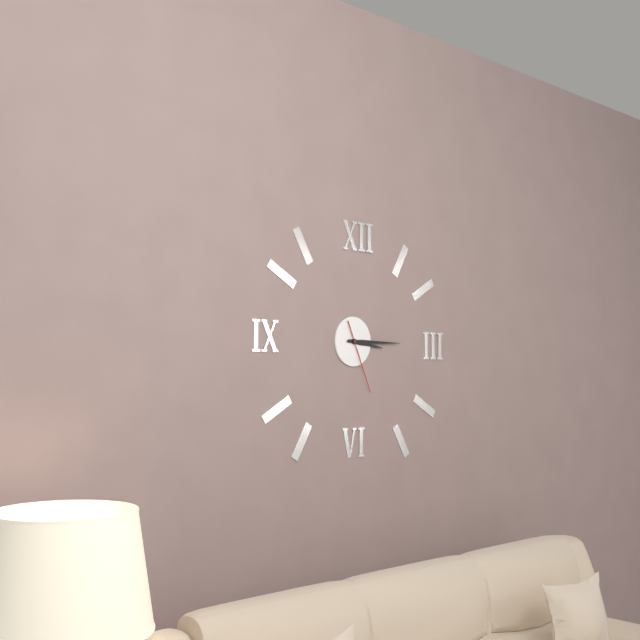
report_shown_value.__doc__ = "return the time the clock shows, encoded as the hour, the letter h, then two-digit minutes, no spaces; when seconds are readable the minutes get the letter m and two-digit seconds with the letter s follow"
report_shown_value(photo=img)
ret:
3h15m26s
